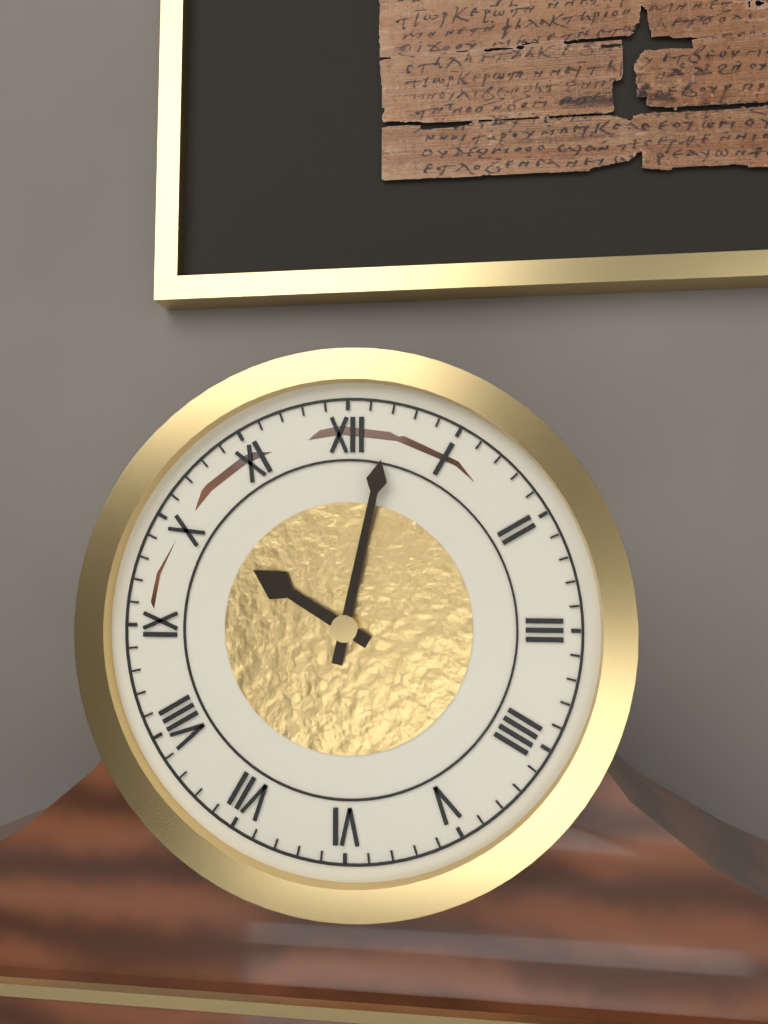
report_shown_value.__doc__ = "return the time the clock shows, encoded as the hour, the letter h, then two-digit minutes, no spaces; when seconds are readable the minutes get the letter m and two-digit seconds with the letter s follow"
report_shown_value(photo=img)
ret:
10h02
